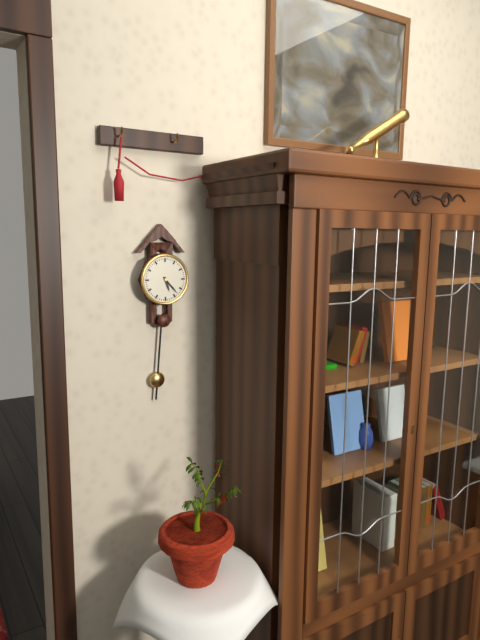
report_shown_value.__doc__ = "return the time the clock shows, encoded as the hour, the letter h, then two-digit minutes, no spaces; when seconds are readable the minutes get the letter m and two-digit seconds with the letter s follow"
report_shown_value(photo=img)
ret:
5h23
